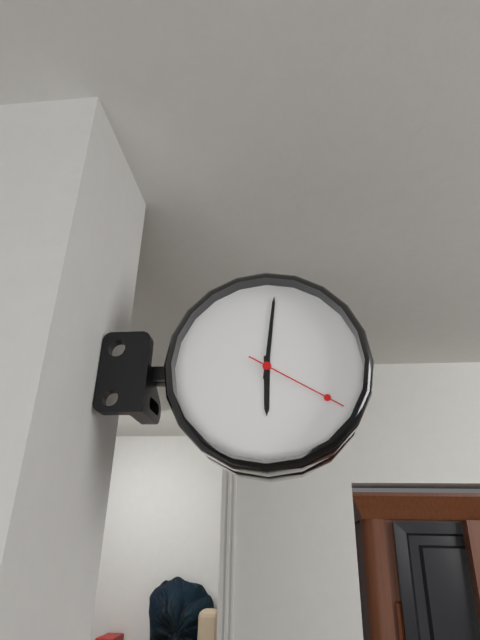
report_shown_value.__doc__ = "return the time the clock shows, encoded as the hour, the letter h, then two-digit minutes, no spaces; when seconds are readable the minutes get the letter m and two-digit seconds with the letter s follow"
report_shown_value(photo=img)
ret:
6h01m20s
